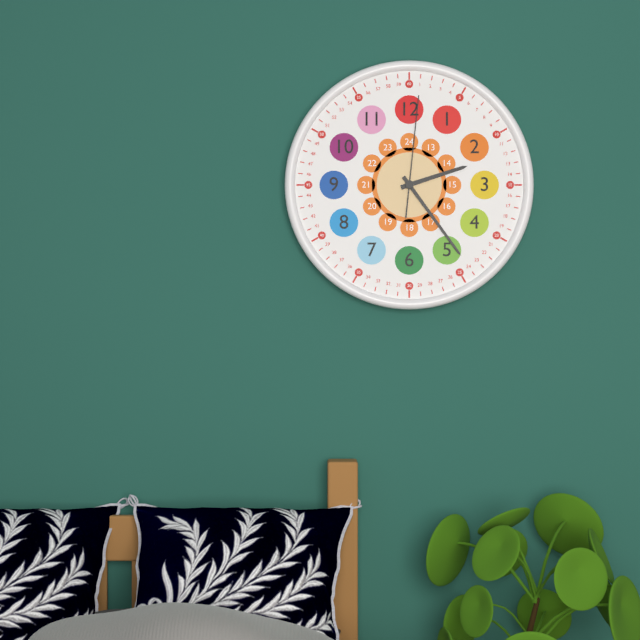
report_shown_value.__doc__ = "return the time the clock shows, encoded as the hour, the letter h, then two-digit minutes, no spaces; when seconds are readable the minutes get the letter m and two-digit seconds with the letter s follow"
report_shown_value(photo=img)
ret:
2h24m01s
